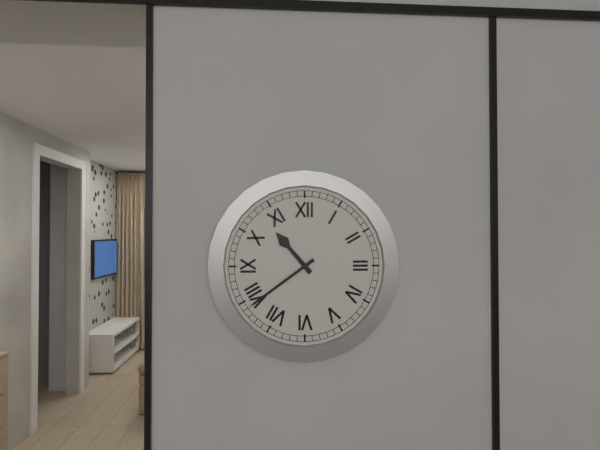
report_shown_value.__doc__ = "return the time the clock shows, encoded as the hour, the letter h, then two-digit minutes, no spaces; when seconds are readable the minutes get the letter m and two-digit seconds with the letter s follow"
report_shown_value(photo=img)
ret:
10h39
